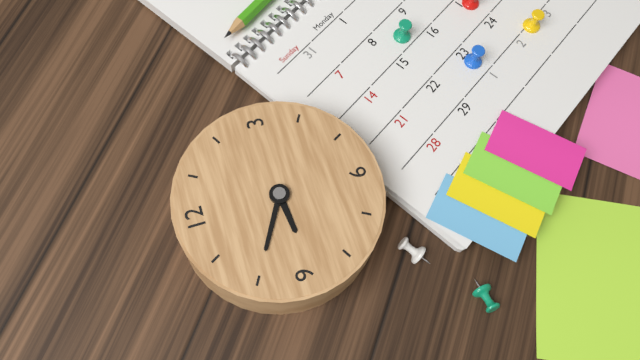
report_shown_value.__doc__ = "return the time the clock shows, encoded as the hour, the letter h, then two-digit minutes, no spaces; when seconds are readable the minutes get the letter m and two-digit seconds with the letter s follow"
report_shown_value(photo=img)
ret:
8h50
